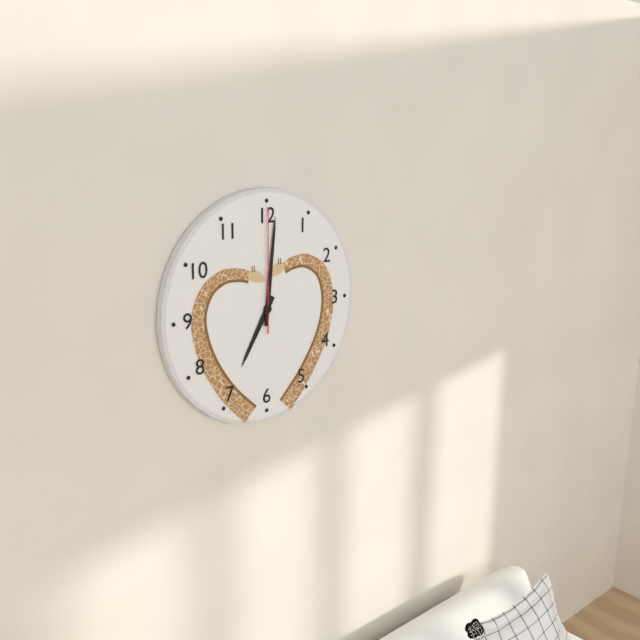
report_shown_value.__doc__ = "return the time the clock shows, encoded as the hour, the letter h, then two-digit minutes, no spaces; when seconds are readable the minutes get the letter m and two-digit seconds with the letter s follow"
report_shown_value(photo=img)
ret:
7h01m00s
